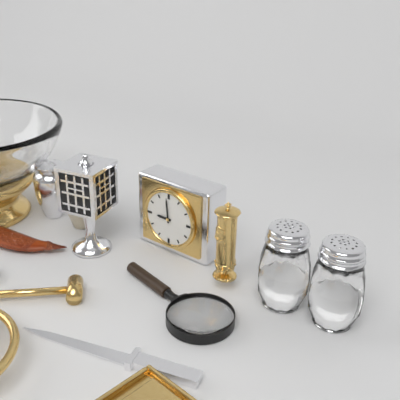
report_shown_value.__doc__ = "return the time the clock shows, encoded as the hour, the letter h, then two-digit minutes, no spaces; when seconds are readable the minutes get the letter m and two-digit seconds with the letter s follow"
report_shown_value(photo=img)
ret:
8h59
